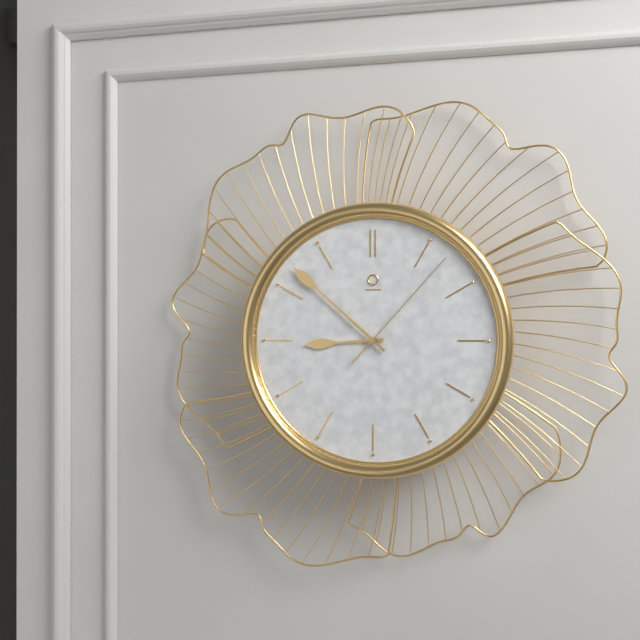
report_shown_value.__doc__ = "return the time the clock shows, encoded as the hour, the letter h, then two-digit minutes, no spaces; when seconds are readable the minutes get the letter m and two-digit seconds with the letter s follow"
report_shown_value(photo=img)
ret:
8h52m07s
